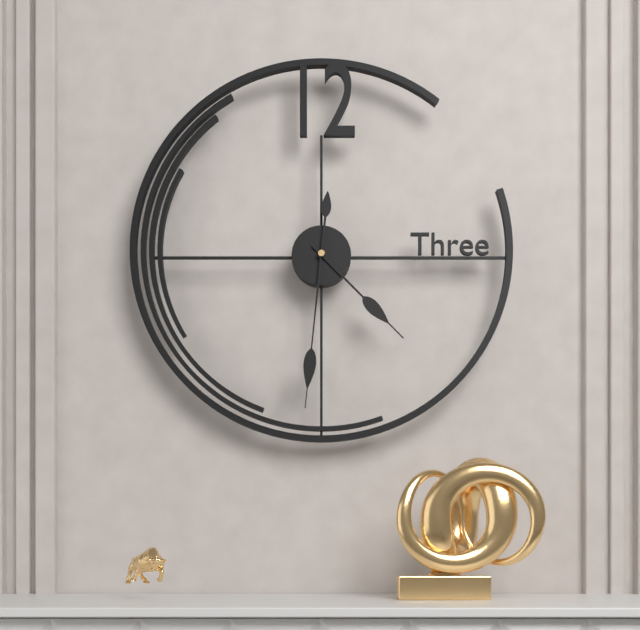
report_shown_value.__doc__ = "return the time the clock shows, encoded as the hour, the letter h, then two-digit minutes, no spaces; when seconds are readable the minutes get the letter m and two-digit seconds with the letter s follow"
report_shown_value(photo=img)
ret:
4h31
